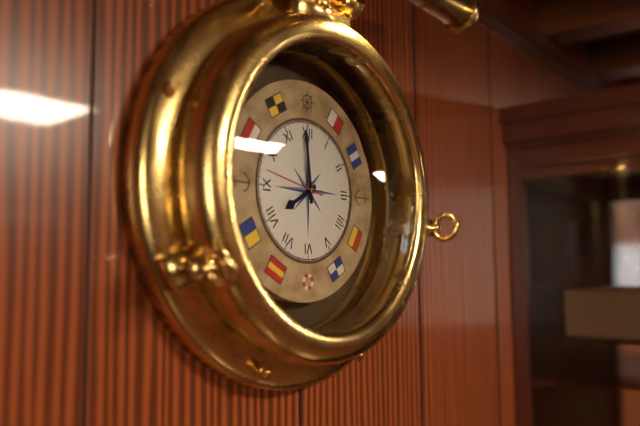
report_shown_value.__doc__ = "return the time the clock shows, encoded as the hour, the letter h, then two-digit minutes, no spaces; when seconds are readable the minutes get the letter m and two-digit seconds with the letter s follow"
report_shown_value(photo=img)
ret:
7h59
